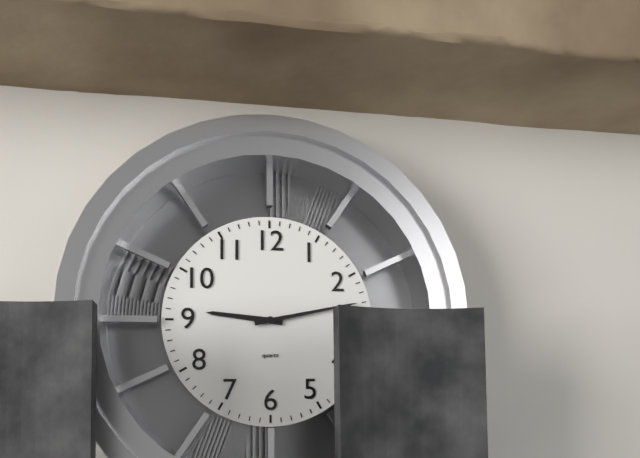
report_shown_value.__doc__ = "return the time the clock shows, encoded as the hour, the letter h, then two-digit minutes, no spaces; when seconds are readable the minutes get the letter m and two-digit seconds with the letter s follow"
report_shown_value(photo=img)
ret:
9h13
